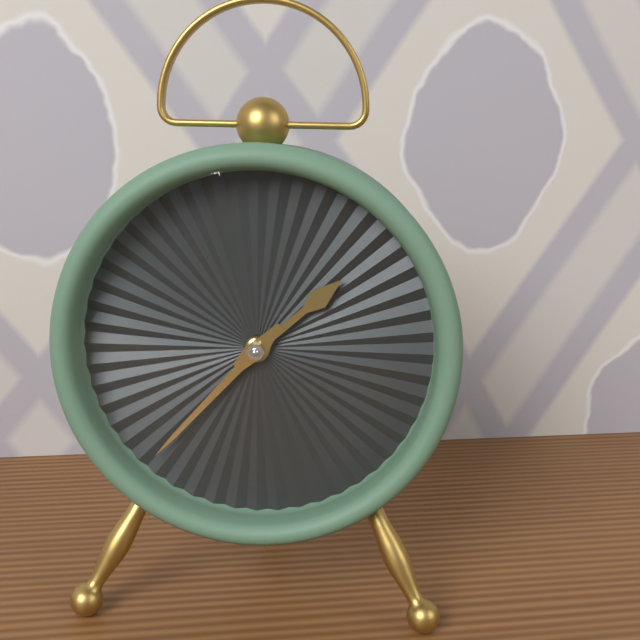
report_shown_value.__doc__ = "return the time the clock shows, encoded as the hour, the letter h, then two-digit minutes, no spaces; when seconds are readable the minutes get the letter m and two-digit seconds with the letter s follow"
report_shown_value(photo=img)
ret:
1h37
